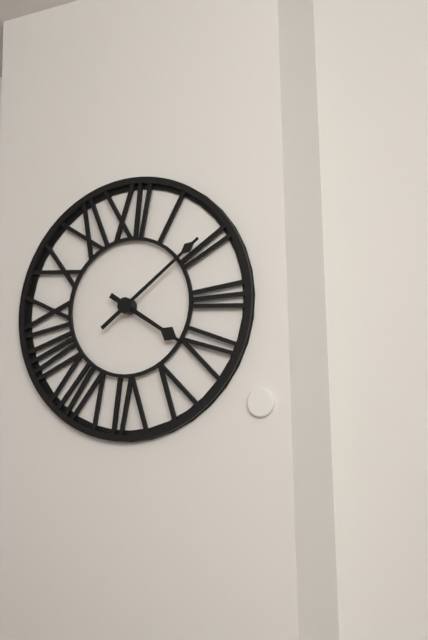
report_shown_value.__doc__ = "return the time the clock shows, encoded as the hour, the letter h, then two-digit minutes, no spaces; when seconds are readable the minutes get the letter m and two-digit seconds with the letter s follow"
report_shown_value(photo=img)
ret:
4h09
